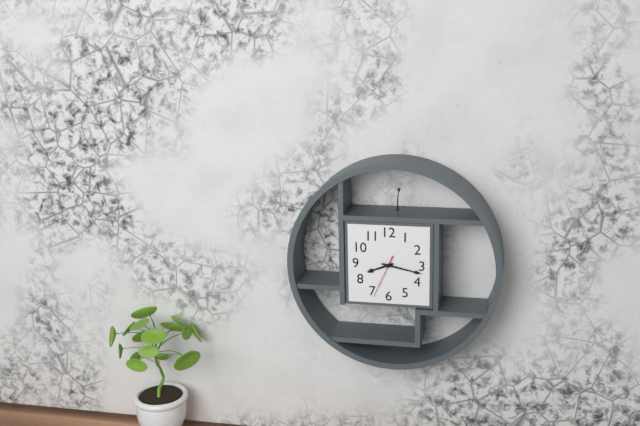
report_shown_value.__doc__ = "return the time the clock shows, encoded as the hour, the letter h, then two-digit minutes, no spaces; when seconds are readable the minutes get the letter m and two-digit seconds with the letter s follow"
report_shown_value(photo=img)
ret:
8h17
